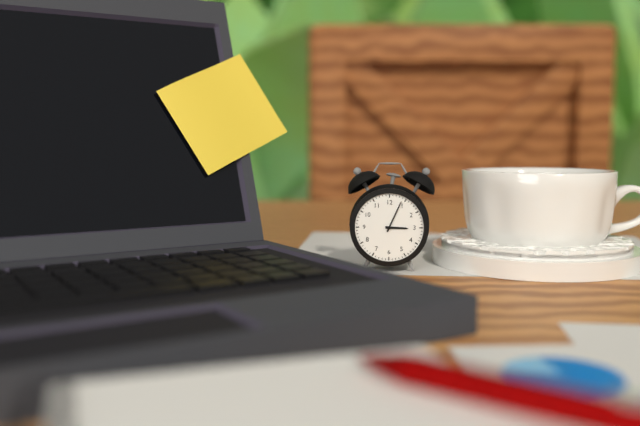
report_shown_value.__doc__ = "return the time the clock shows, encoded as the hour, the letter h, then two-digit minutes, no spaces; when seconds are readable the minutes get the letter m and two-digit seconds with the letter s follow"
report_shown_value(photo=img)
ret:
3h04
